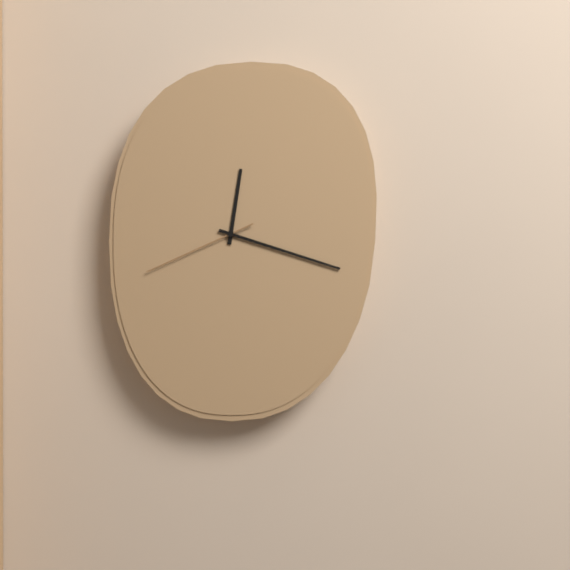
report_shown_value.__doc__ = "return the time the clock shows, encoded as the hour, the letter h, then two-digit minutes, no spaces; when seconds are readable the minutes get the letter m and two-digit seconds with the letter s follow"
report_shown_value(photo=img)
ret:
12h18m41s
